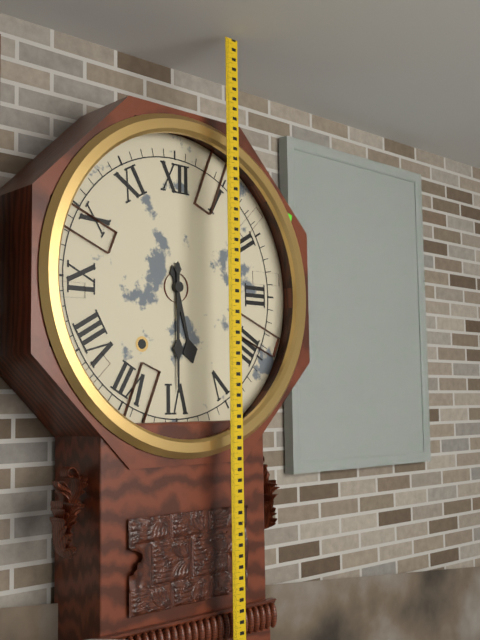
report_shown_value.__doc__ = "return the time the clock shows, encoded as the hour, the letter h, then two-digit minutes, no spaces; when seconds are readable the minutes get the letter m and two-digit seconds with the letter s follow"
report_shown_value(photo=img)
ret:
5h30
